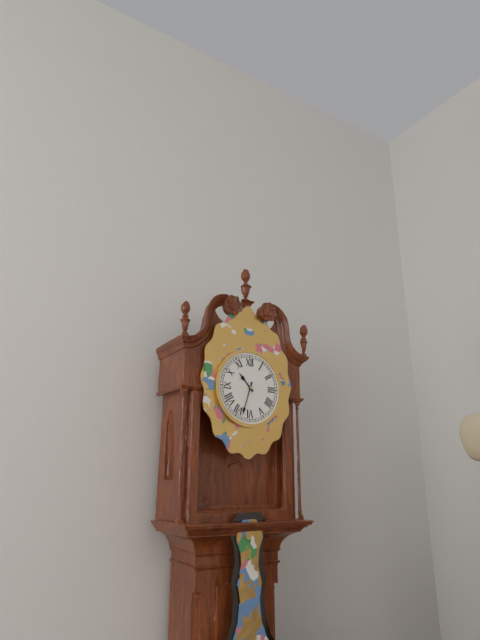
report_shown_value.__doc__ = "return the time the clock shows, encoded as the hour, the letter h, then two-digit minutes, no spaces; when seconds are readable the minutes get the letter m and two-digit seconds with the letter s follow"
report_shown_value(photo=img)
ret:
10h33
